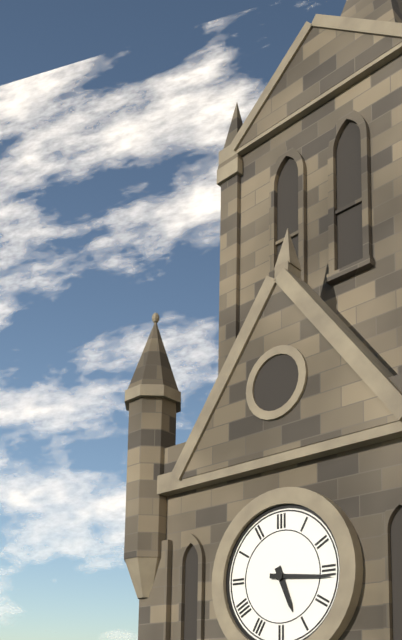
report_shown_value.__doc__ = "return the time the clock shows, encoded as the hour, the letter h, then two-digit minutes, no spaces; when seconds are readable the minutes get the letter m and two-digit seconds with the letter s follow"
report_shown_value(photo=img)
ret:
5h16
